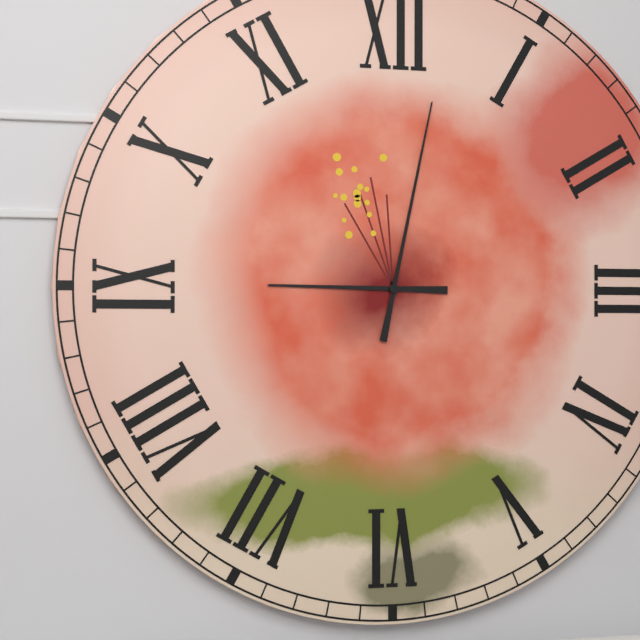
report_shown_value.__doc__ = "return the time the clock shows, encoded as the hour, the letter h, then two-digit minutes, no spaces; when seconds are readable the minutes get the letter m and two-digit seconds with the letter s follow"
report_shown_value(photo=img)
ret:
9h02
